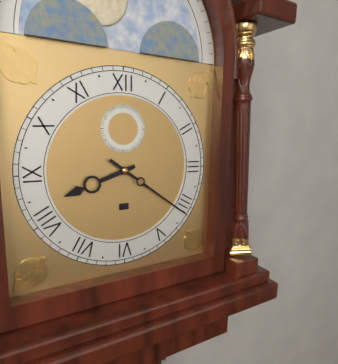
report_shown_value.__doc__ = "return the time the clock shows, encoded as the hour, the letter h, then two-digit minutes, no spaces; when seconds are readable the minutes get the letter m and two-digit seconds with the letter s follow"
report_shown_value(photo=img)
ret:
8h21
